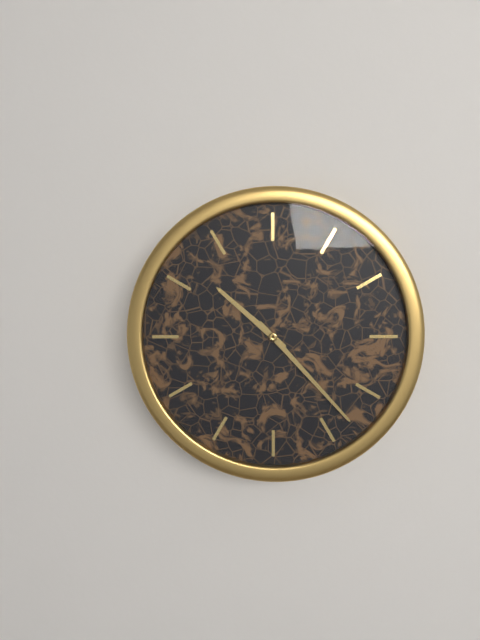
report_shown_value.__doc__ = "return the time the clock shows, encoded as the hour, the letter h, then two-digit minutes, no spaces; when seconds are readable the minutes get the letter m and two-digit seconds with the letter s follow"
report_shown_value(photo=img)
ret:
10h23
